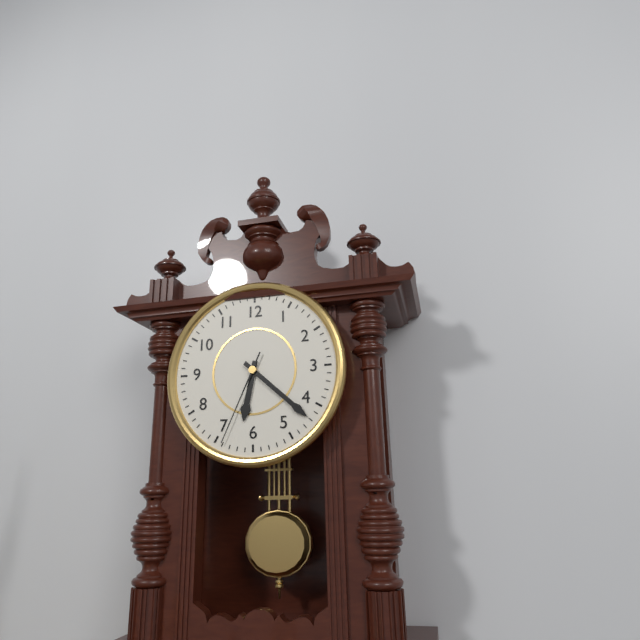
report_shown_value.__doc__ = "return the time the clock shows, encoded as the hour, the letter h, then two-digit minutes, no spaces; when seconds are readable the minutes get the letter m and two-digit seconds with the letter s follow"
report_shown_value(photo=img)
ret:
6h22m34s
